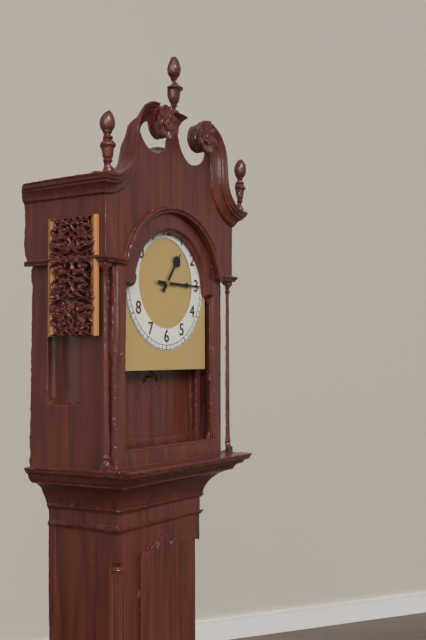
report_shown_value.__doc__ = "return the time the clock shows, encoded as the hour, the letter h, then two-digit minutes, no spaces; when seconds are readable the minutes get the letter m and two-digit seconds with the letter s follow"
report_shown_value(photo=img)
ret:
1h15
